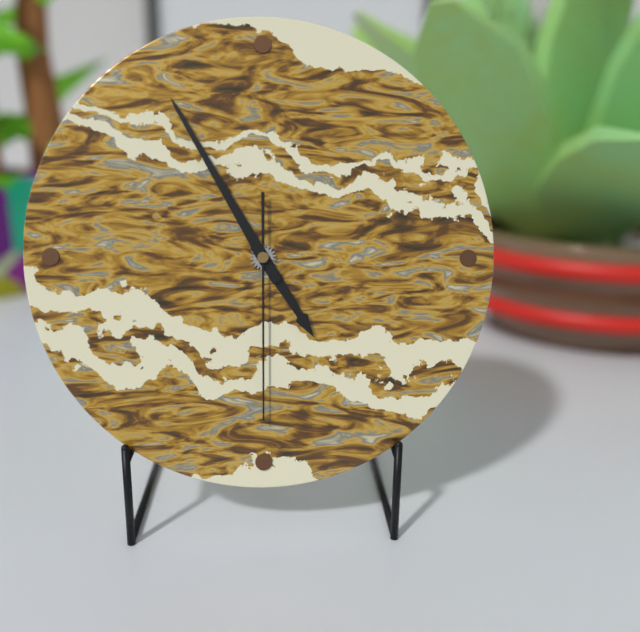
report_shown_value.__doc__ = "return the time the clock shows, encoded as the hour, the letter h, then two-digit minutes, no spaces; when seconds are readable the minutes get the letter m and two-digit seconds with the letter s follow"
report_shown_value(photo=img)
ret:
4h55m30s
